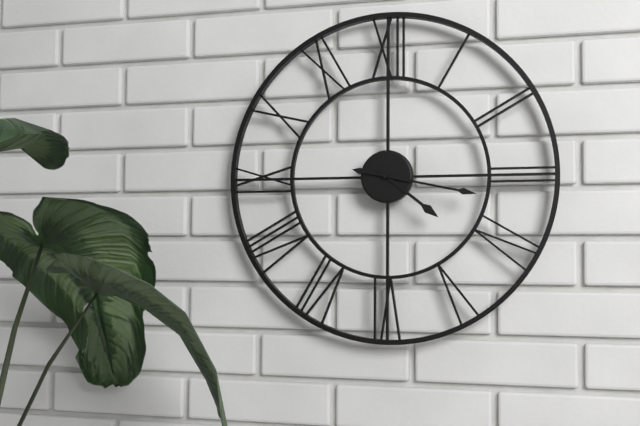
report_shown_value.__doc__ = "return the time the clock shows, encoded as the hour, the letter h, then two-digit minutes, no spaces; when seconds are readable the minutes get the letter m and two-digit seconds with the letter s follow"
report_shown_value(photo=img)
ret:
4h17
